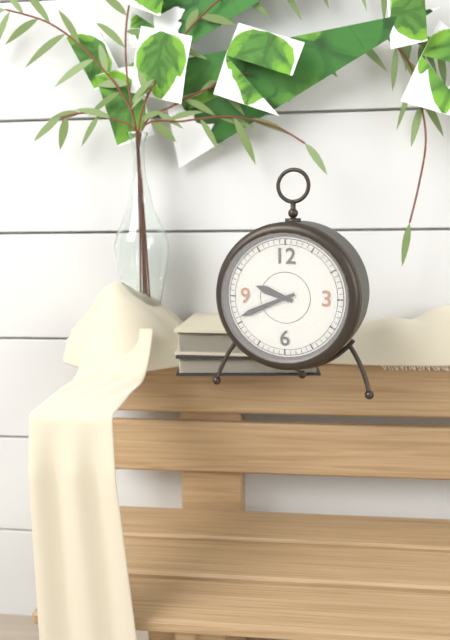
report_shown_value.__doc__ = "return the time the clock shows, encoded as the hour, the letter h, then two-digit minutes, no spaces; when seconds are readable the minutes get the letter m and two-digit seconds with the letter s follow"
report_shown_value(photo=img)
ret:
9h41
